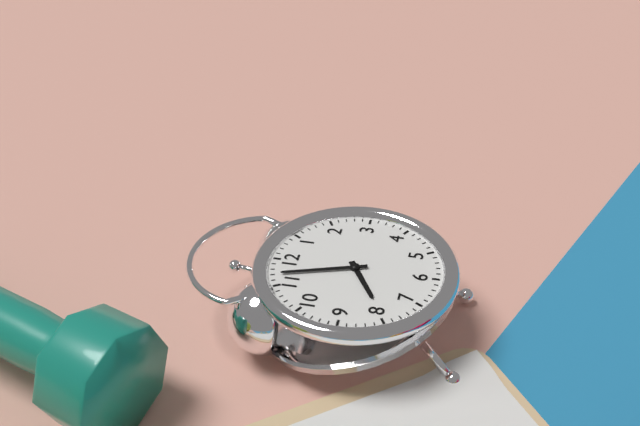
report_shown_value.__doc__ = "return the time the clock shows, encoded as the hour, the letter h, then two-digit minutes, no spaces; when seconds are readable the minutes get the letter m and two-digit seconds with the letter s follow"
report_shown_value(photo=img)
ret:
7h57
